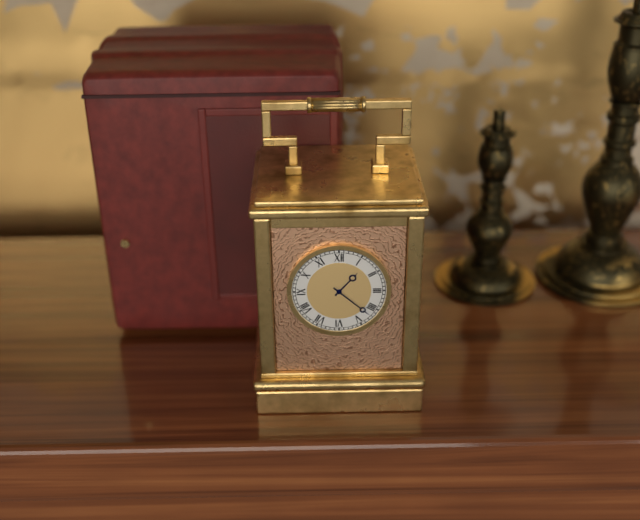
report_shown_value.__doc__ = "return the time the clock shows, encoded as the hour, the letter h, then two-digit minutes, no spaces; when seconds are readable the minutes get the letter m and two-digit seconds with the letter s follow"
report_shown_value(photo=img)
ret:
1h22
